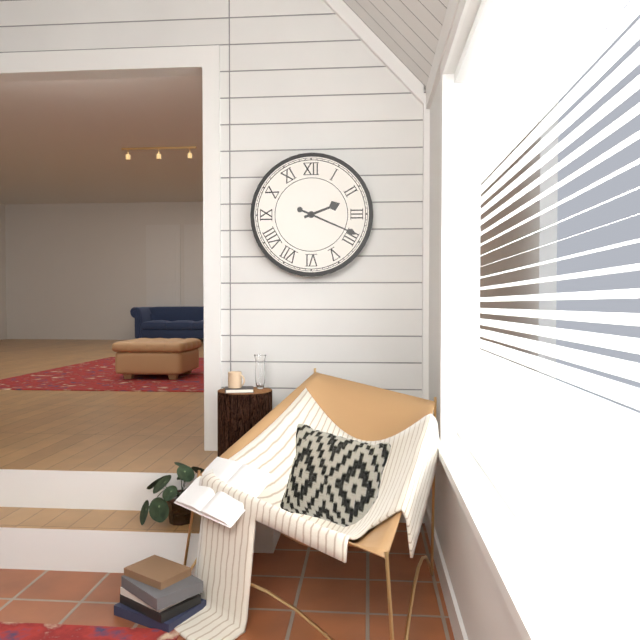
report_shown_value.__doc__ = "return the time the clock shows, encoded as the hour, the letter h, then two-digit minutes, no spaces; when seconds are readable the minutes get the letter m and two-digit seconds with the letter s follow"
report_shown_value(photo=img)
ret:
2h19
